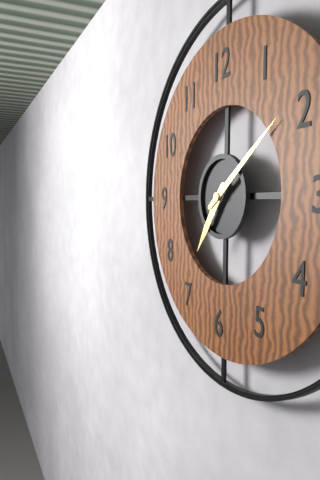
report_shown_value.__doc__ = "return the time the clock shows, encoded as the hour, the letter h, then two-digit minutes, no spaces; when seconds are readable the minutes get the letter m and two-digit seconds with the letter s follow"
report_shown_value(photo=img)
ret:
7h09
